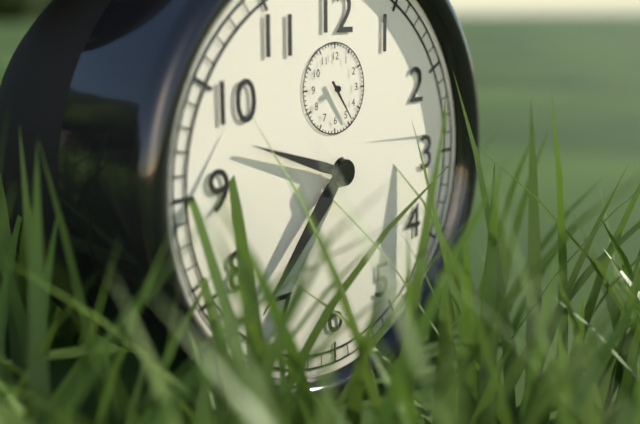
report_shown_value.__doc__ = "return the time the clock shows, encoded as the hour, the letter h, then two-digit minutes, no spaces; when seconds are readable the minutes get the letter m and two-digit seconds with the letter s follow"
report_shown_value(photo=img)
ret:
9h37
